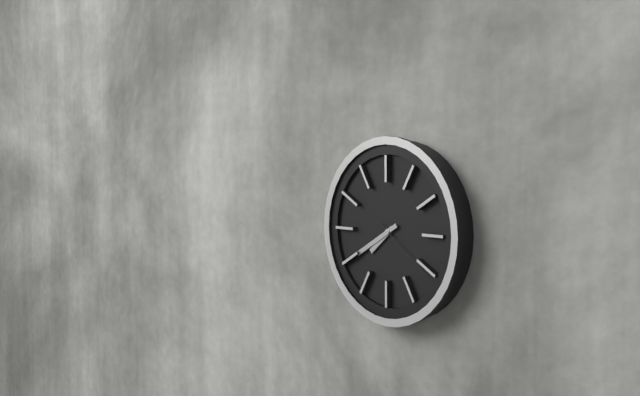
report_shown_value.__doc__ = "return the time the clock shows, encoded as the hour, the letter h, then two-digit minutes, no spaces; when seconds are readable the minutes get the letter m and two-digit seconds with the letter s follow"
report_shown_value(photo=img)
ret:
7h40m21s
